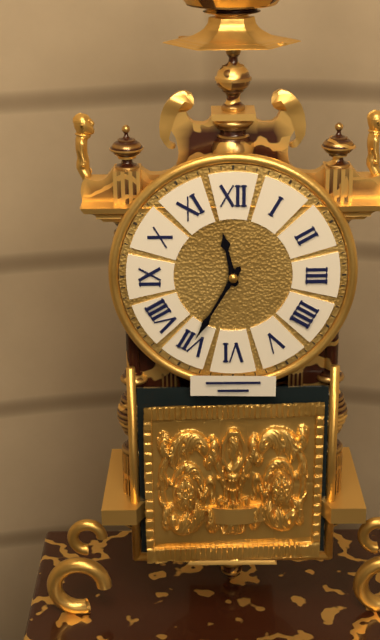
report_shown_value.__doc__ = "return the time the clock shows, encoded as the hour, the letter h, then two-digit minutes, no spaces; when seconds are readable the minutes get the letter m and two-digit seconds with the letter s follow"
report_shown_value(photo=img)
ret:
11h35
